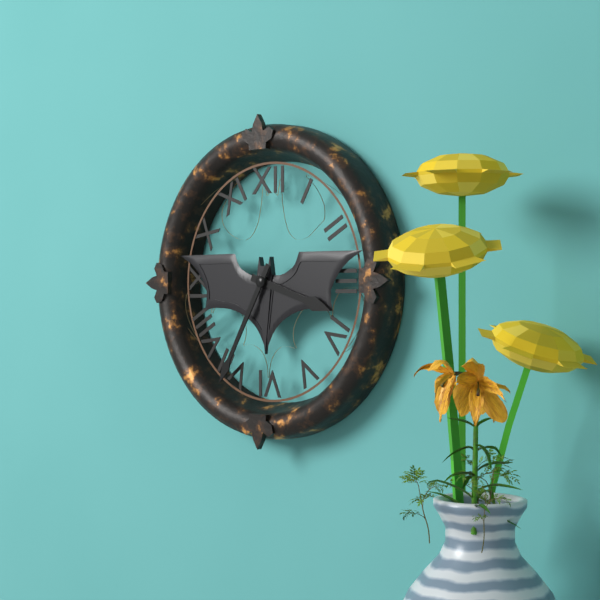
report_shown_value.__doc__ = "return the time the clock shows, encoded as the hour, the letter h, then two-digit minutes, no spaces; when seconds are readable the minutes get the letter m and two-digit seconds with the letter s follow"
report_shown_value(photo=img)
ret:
3h35
